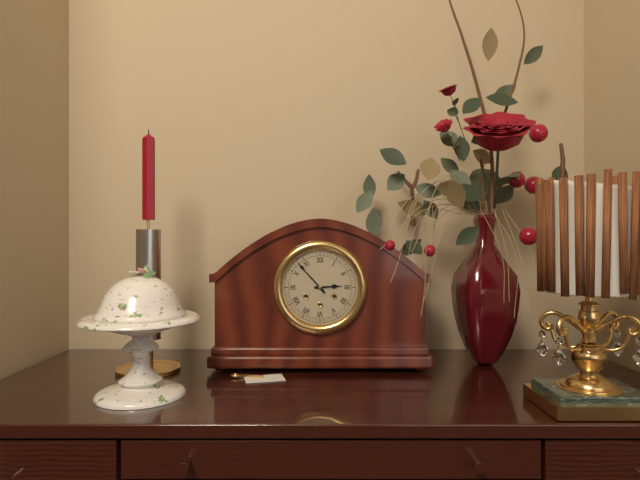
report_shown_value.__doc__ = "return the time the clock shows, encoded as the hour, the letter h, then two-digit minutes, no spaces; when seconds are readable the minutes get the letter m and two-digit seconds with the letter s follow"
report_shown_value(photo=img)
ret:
2h53
